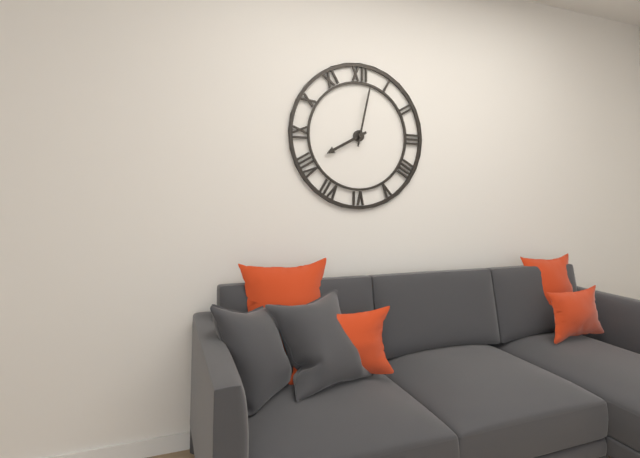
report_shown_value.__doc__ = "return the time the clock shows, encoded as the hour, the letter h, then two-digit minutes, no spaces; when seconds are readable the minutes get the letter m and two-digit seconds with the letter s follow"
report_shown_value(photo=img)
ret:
8h02
